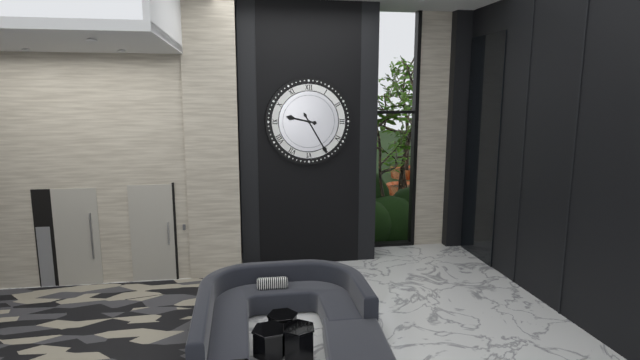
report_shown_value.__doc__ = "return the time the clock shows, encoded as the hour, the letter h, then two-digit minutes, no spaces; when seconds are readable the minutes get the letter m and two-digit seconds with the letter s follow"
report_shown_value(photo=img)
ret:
9h25
